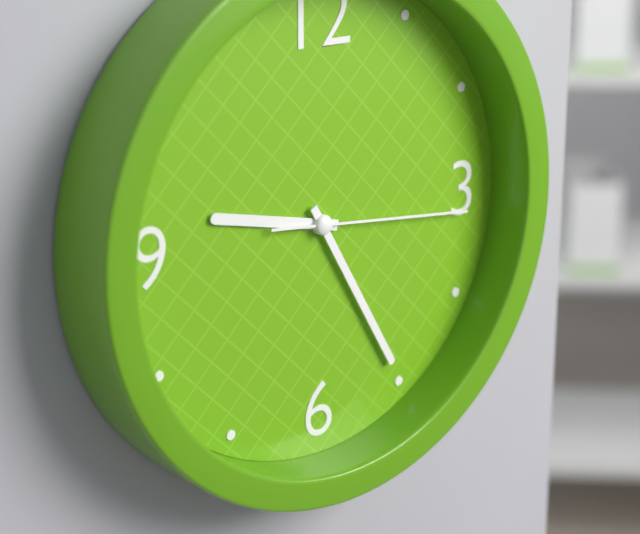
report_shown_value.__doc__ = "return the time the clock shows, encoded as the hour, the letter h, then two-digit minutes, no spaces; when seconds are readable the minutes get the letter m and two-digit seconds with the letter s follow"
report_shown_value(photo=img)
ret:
9h25m16s
